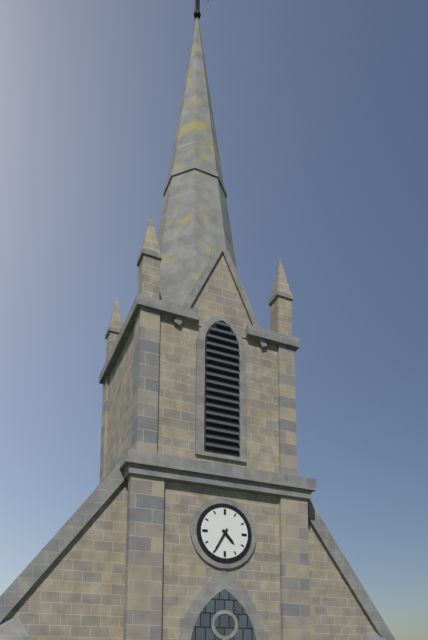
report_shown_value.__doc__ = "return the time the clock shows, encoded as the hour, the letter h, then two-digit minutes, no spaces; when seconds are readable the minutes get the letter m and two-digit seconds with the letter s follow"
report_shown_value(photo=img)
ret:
4h35
